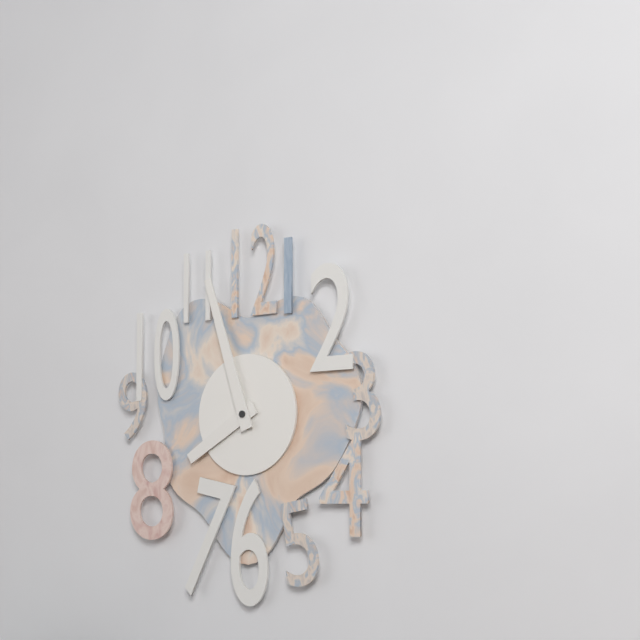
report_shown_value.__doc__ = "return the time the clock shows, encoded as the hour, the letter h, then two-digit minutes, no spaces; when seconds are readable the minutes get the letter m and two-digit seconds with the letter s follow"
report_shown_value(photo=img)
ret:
7h57
